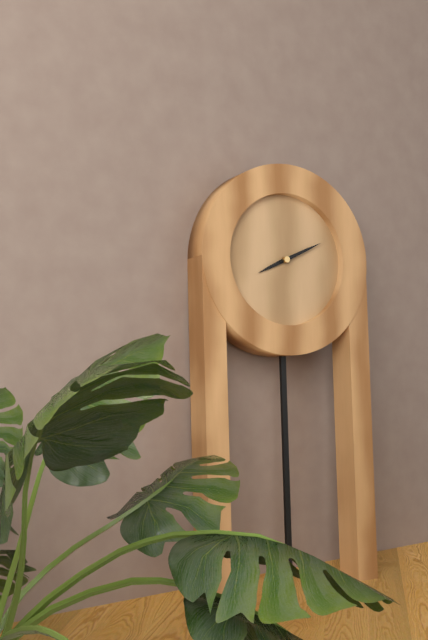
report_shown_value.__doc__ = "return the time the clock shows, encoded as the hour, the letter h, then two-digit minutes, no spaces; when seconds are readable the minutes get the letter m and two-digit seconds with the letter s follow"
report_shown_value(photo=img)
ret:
8h11
